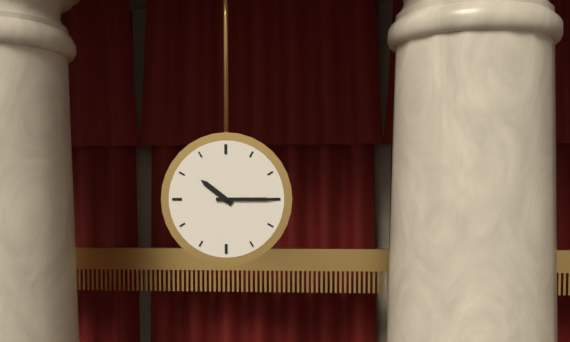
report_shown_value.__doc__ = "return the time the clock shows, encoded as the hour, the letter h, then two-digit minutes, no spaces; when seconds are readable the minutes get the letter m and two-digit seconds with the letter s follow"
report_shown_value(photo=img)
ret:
10h15
